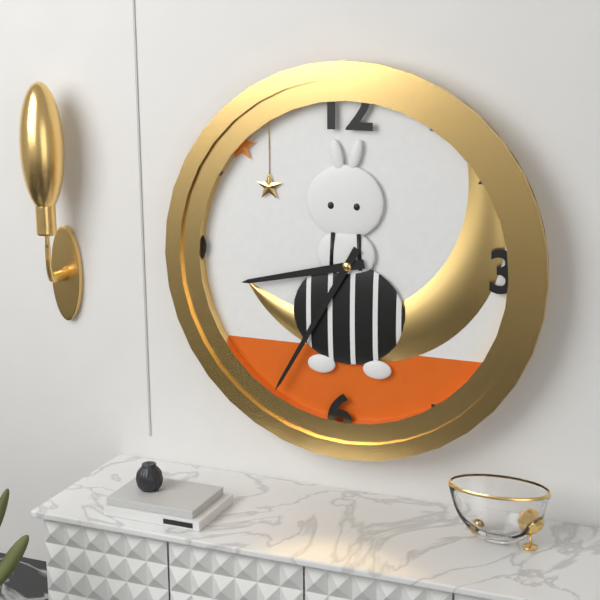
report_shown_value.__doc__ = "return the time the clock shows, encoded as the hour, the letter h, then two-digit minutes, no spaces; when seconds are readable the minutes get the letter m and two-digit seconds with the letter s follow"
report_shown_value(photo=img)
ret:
8h35
